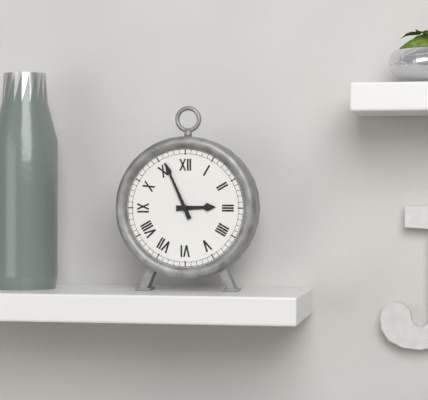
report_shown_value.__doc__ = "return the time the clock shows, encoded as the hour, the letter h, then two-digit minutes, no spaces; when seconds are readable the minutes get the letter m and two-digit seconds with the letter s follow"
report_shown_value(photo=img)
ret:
2h56
